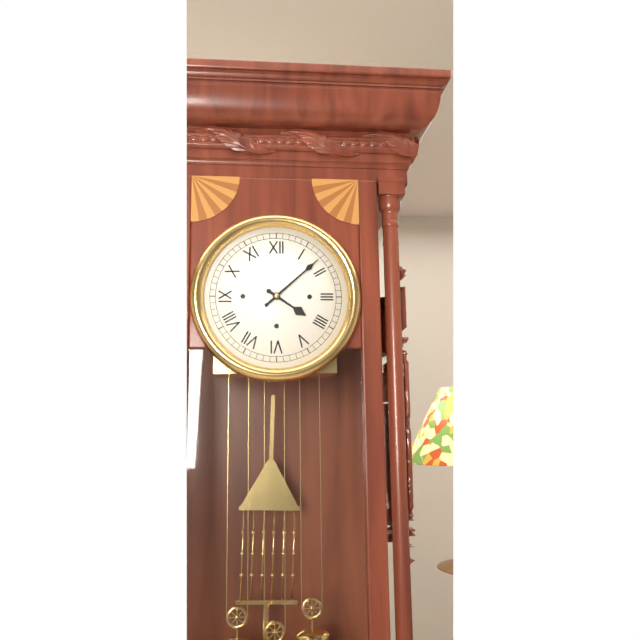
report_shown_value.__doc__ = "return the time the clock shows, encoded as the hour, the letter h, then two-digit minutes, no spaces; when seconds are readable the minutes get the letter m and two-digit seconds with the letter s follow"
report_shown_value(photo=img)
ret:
4h08
